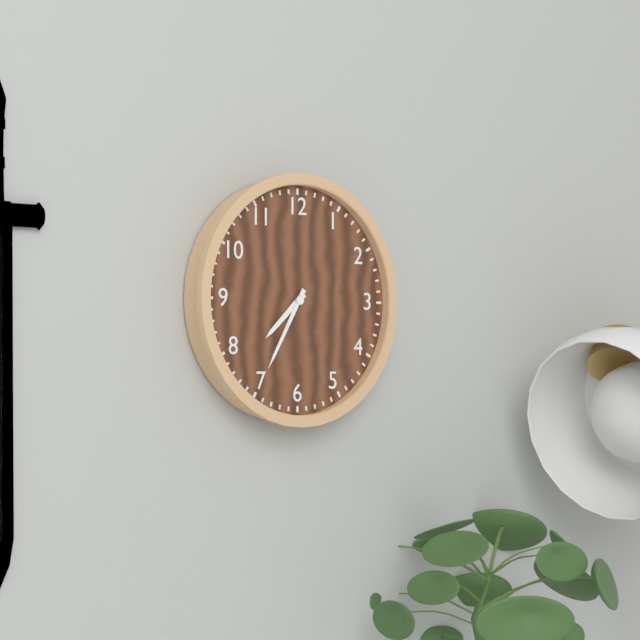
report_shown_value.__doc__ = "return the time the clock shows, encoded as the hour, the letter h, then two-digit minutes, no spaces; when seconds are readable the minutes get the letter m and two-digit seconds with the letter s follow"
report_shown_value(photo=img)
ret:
7h35
